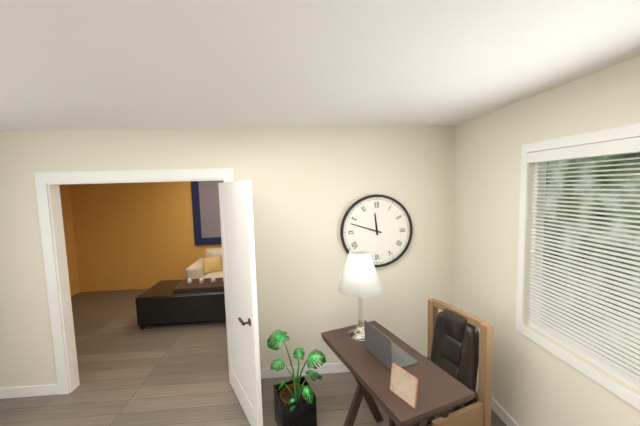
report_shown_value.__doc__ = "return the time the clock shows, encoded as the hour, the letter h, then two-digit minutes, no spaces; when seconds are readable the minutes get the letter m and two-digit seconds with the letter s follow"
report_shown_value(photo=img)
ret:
11h48
